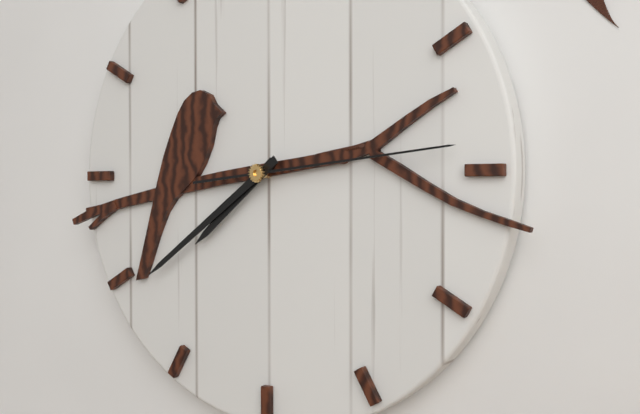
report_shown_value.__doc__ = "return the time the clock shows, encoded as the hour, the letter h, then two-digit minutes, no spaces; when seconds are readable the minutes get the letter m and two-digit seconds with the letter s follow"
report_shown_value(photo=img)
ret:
7h39m14s
